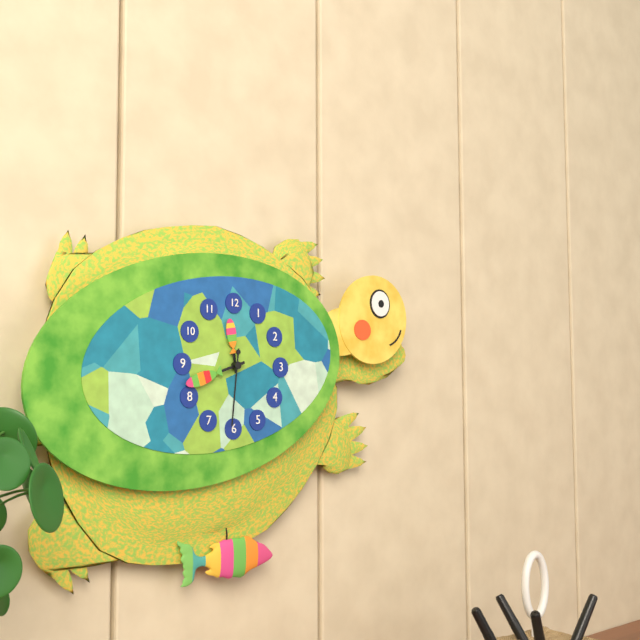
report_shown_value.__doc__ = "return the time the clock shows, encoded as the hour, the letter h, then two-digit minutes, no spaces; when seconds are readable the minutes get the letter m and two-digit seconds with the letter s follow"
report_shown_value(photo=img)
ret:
11h42m31s
